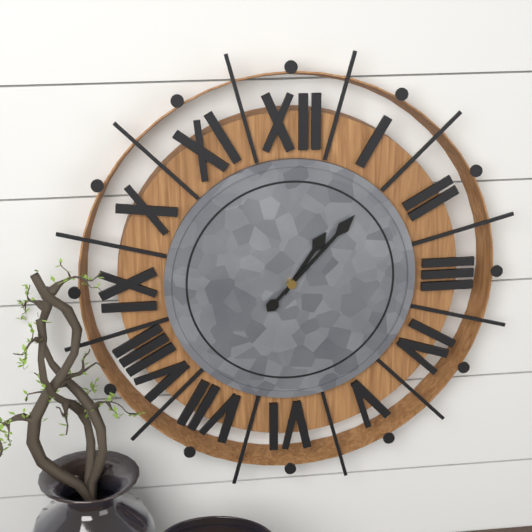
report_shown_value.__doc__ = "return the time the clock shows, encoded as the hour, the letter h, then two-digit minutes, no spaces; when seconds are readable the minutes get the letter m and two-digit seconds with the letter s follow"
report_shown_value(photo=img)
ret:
1h07
